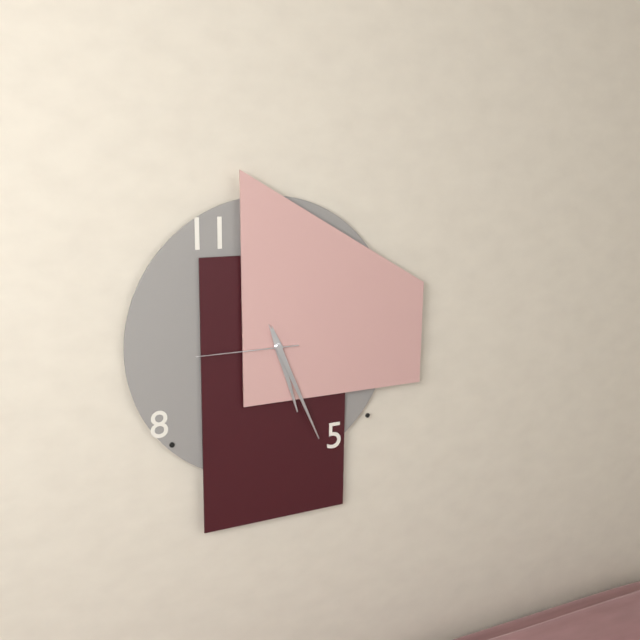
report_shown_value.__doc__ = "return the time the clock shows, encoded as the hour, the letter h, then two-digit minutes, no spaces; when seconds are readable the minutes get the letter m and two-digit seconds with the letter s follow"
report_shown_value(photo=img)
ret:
5h26m45s
